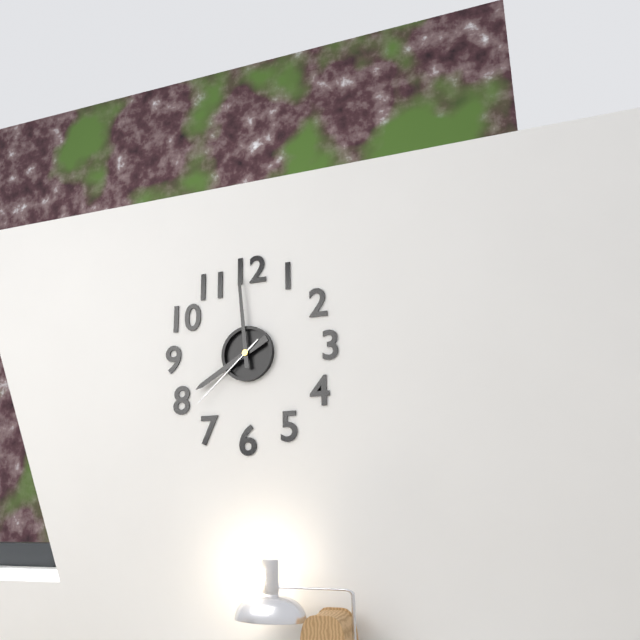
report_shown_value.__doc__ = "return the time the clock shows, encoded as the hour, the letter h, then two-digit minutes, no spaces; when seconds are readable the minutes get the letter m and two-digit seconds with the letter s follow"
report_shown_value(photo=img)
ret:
7h59m38s
